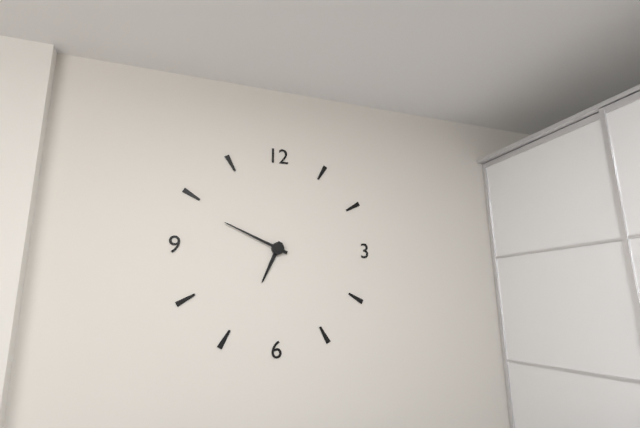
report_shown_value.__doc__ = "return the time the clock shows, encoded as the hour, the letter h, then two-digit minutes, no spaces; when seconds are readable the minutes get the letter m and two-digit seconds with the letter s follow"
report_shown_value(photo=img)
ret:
6h49
